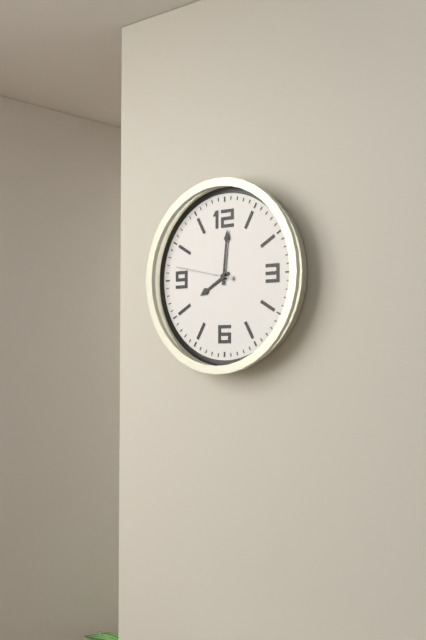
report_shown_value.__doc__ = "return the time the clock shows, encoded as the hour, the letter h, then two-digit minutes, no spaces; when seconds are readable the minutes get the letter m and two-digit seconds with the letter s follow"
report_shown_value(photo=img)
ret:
8h01m47s
